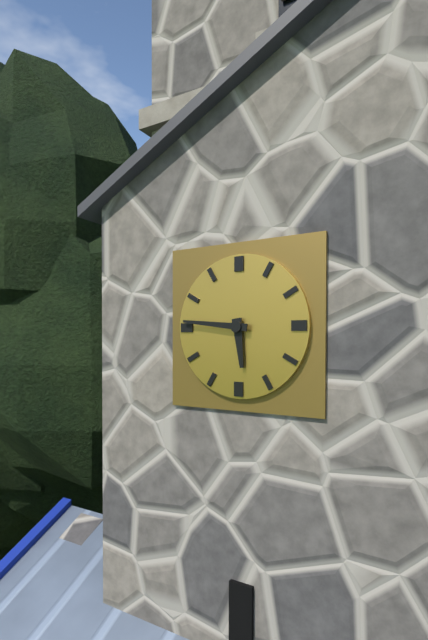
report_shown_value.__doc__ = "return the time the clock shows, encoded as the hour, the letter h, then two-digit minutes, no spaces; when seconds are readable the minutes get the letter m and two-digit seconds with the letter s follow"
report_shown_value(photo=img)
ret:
5h46
